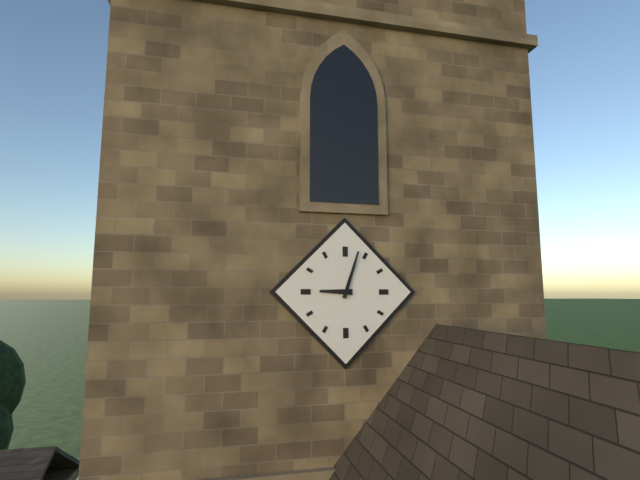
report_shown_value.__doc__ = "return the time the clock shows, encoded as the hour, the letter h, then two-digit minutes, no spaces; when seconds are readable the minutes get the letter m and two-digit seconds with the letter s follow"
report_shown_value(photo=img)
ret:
9h03
